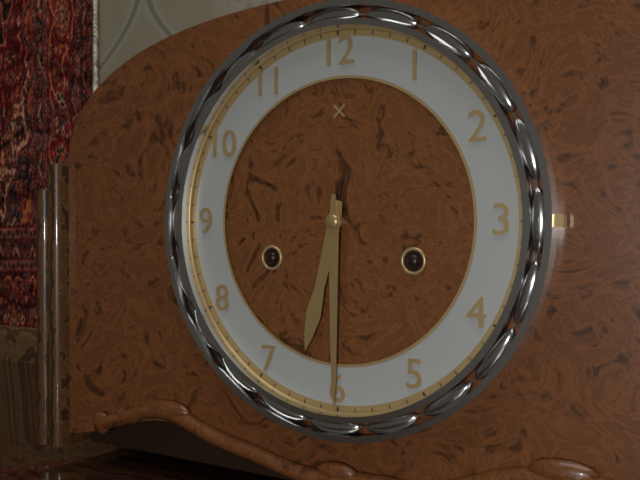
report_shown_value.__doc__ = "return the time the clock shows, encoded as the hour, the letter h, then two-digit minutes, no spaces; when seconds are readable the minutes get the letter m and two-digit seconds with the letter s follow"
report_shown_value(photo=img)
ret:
6h30
